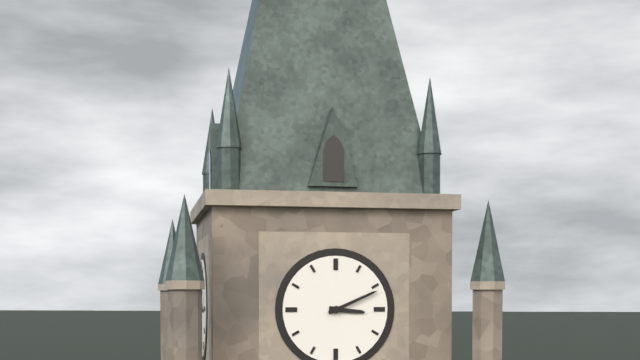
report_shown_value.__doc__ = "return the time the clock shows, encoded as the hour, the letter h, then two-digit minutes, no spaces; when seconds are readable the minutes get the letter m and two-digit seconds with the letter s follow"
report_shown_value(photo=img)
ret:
3h11
